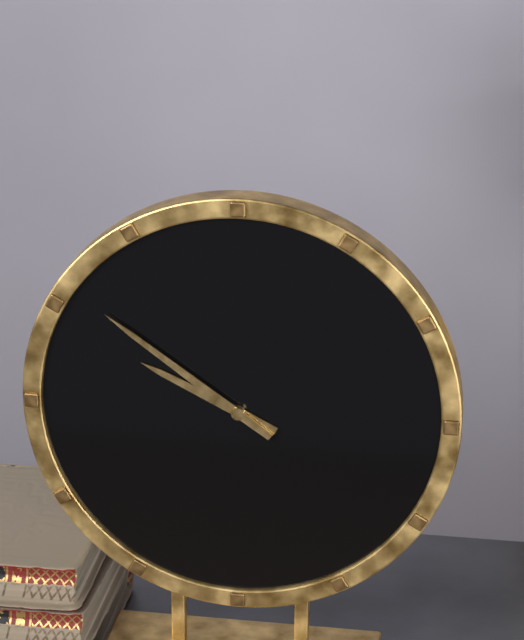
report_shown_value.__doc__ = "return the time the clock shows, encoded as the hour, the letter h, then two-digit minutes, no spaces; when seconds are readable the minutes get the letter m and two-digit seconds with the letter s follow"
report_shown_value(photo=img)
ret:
9h51
